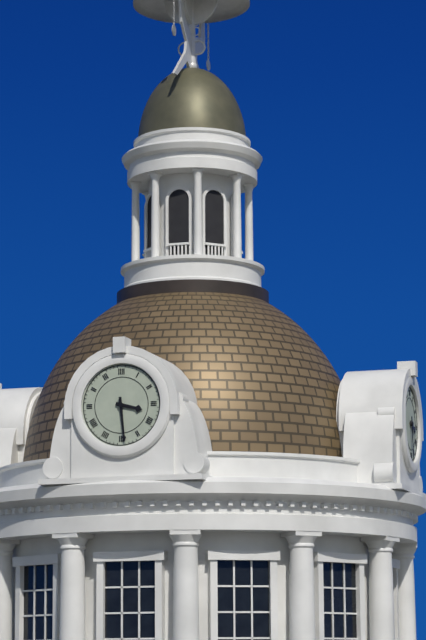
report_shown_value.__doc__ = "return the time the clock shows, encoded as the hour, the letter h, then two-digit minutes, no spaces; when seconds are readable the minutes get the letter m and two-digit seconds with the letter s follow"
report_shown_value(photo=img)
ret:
3h29
